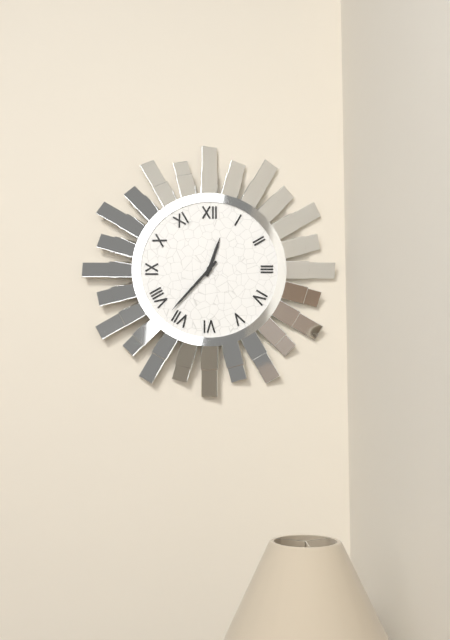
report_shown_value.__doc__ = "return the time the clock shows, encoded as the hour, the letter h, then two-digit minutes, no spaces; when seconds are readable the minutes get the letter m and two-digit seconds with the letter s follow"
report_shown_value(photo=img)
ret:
12h37
